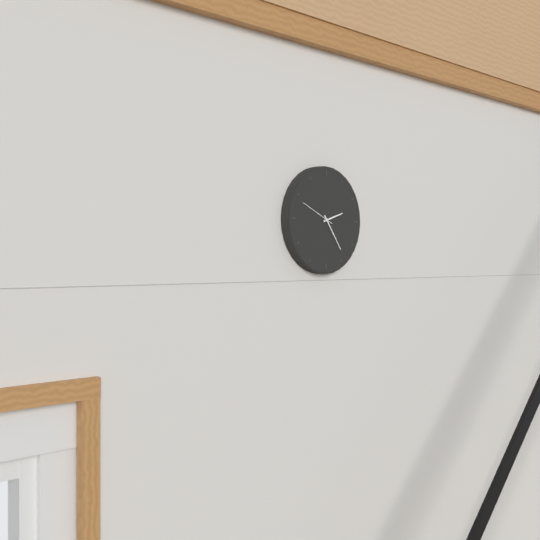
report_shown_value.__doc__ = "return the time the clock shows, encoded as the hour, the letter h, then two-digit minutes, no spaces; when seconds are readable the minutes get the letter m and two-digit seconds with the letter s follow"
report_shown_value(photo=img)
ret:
2h24
